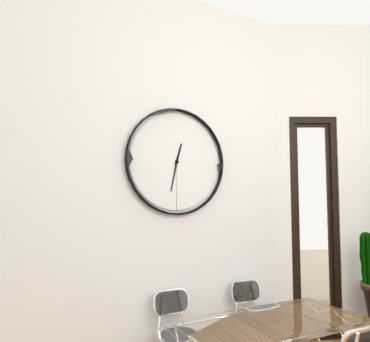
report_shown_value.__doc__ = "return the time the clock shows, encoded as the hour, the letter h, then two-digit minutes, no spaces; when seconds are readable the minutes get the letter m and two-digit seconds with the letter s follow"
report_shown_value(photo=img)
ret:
12h32
